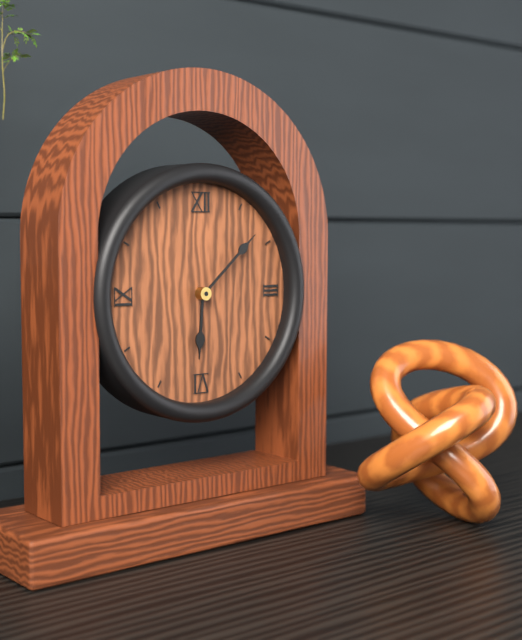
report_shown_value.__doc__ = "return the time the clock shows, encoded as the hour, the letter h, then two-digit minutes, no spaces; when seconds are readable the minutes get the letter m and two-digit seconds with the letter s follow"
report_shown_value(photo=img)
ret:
6h08
